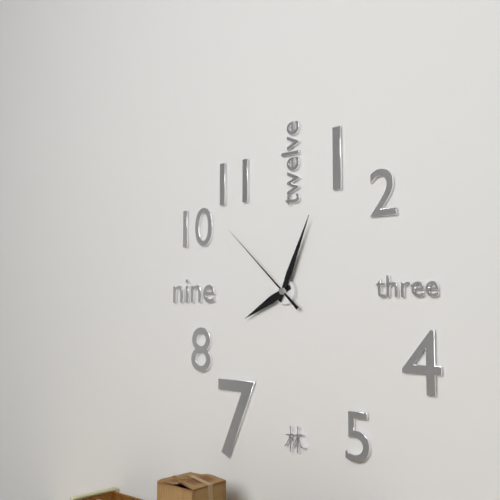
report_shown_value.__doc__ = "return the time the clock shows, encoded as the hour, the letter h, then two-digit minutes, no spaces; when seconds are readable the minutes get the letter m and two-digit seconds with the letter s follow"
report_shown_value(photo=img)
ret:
8h04m52s
